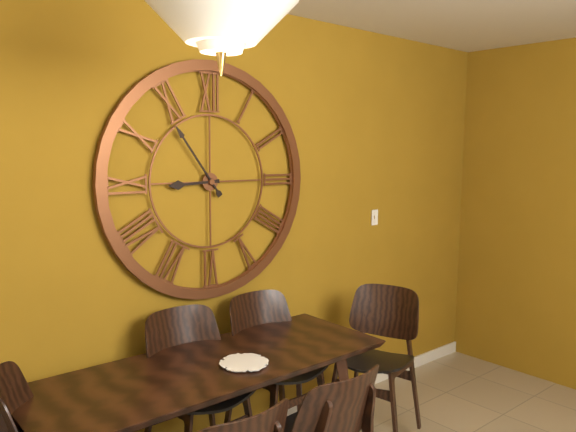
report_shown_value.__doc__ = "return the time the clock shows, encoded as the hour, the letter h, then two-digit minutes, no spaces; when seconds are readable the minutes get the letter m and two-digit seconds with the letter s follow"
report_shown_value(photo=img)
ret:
8h54
